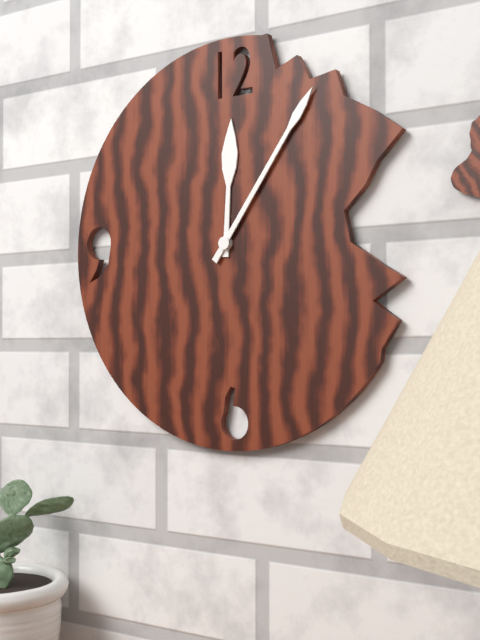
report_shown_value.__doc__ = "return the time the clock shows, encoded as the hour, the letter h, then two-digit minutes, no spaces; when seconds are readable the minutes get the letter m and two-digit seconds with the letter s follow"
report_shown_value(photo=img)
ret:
12h06
